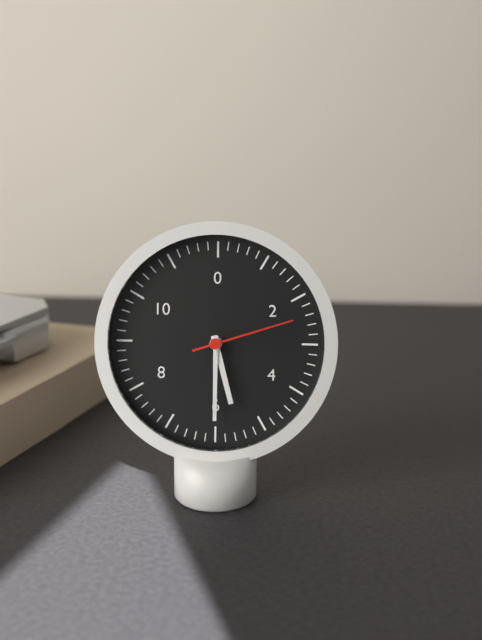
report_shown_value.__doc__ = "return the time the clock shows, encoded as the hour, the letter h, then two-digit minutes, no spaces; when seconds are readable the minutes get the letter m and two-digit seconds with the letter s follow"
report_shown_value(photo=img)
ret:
5h30m12s
